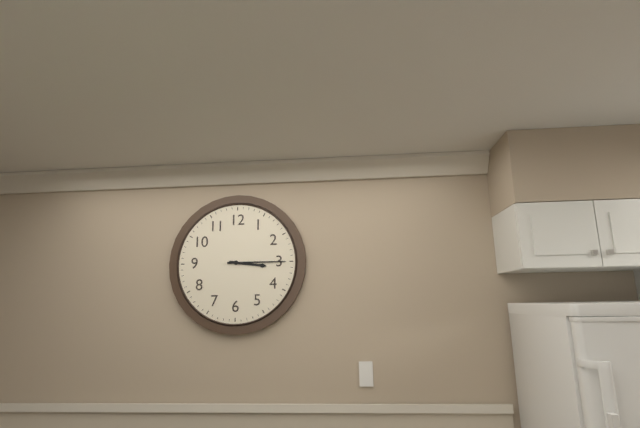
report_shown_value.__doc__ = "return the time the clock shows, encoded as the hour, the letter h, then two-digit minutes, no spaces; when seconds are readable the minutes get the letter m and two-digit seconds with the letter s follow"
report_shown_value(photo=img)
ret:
3h15
